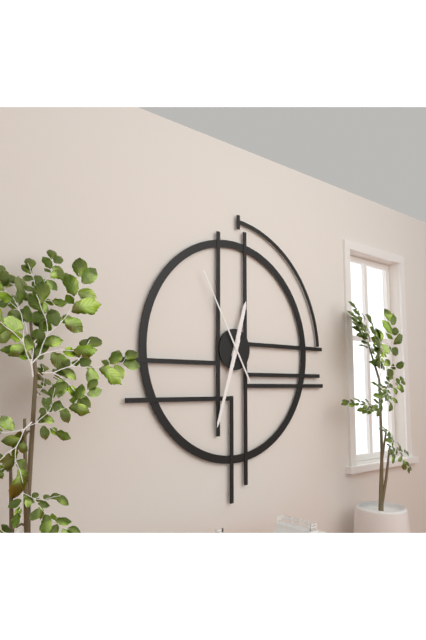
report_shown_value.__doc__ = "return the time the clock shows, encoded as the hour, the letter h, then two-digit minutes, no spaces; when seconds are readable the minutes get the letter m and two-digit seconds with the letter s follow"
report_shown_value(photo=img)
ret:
12h33m55s
